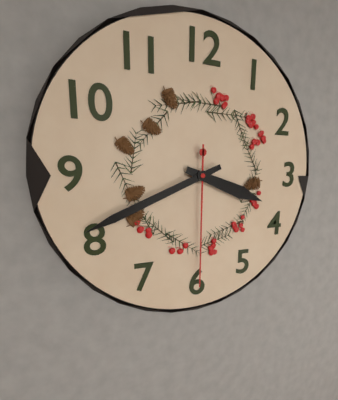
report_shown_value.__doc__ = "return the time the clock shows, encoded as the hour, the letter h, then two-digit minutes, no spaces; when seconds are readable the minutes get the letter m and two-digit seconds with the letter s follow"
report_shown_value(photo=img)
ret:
3h41m30s
